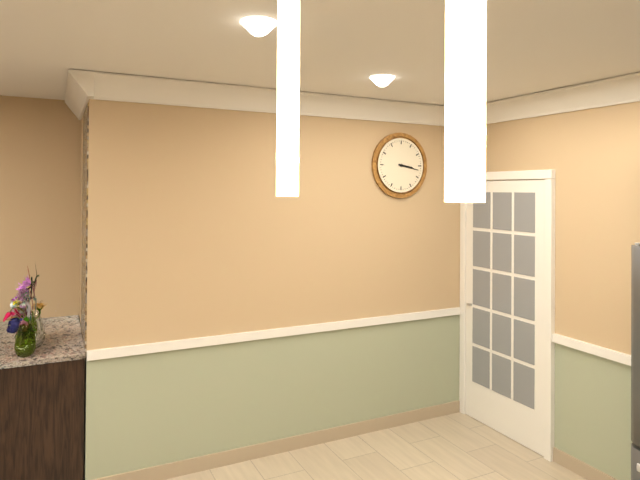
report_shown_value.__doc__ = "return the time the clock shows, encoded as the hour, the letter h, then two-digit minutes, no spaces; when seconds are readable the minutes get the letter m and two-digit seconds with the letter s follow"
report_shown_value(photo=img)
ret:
3h17
